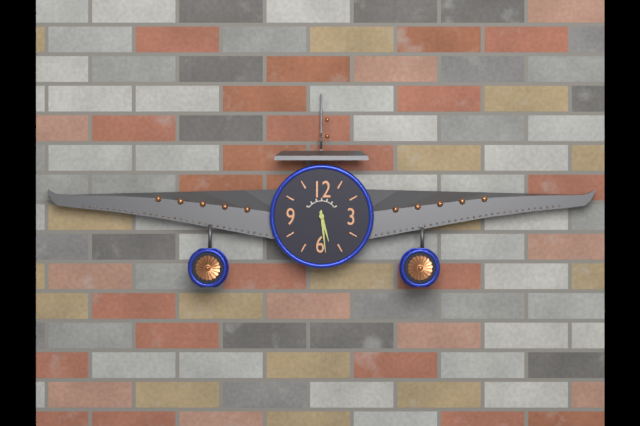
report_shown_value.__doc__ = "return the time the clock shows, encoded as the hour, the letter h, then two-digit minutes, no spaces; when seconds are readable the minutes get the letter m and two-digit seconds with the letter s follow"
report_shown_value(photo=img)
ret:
5h29
